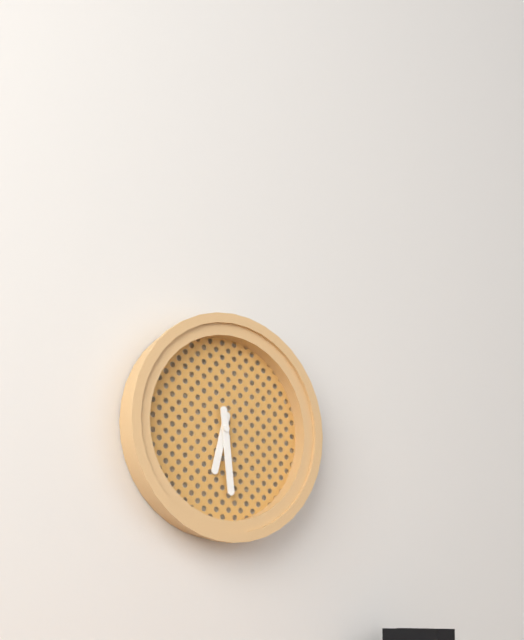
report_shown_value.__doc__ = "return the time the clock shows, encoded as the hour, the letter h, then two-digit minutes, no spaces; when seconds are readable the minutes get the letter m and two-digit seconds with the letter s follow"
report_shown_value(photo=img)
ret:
6h29
